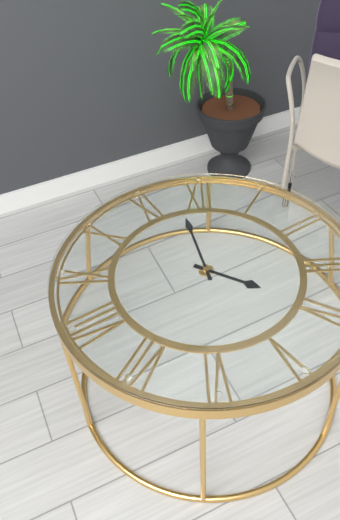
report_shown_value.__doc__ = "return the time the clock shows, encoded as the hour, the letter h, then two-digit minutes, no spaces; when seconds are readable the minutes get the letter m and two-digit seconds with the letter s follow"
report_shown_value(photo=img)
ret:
3h58
